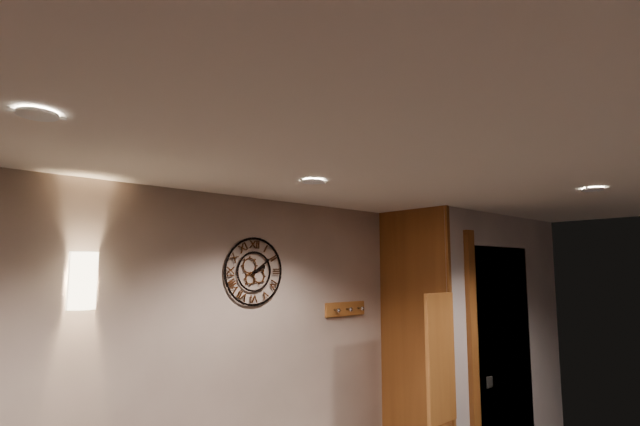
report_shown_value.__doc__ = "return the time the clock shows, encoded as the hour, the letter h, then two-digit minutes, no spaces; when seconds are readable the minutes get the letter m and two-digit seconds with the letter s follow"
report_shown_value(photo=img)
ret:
2h09
